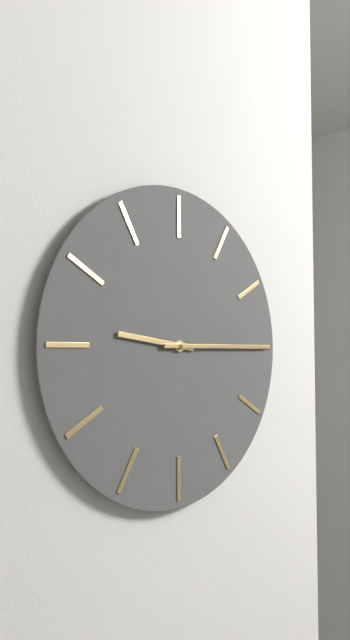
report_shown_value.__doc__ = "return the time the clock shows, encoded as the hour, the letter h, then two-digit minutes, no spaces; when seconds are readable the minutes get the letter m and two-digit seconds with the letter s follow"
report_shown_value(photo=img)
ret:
9h15
